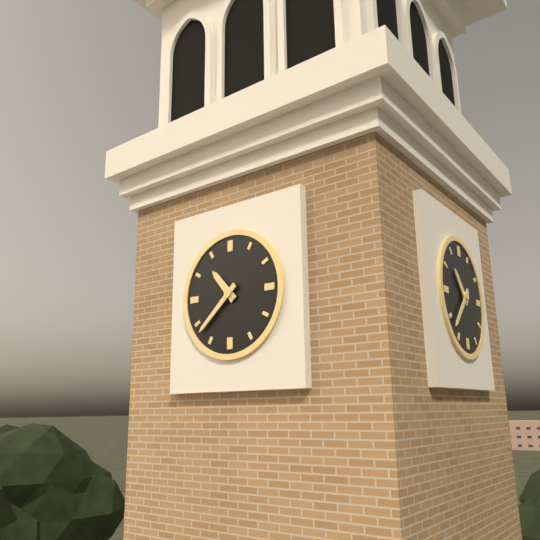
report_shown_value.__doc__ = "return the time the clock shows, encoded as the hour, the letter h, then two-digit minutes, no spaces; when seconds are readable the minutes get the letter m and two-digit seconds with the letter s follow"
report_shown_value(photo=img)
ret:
10h38
